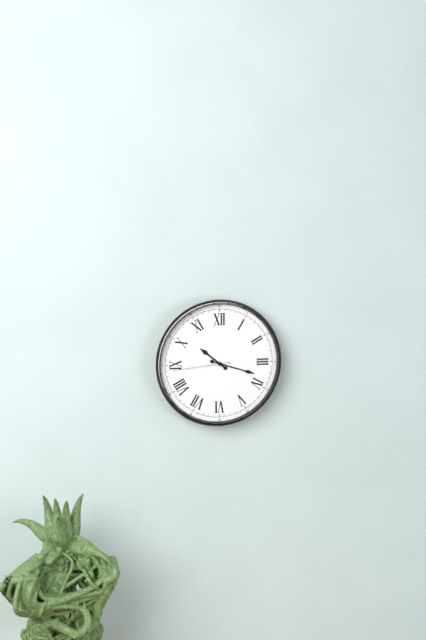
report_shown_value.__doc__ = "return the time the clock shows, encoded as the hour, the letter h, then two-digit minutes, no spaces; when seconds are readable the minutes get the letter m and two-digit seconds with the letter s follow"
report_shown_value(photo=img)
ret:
10h18m44s
